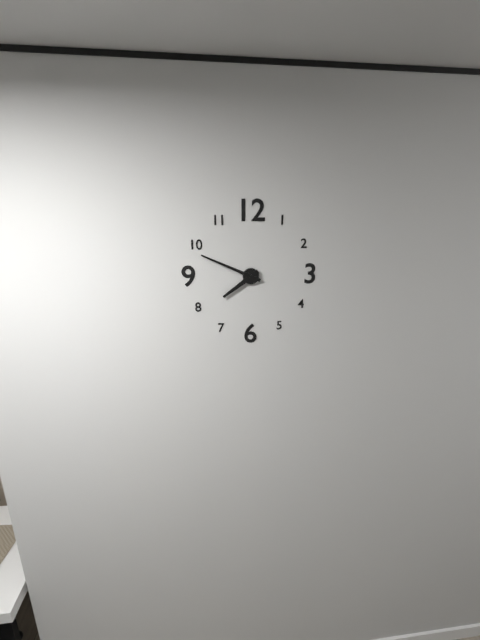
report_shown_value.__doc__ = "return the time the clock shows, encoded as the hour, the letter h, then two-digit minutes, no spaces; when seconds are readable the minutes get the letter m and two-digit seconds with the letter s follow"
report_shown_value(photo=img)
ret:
7h49
